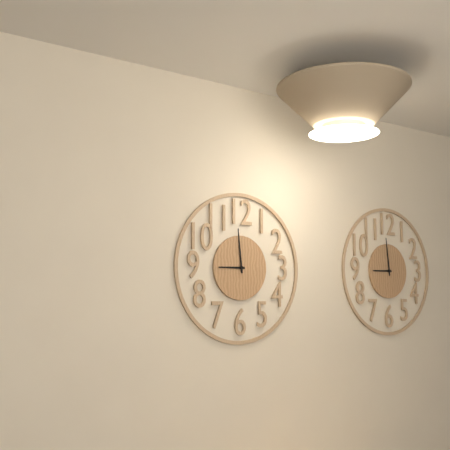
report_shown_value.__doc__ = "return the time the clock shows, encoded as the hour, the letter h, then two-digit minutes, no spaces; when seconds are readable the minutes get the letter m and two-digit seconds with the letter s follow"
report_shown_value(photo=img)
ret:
8h59
